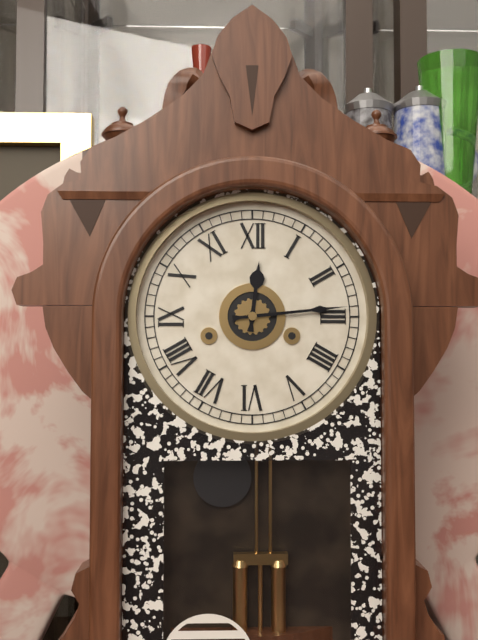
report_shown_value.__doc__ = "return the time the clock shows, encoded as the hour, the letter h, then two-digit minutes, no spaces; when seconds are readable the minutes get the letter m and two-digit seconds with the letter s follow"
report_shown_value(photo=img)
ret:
12h14
